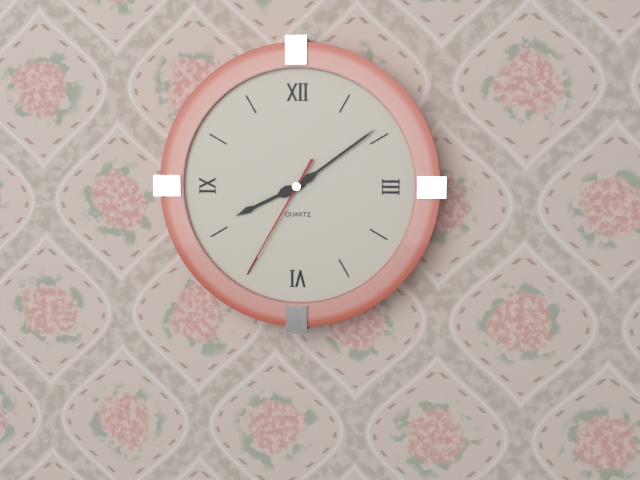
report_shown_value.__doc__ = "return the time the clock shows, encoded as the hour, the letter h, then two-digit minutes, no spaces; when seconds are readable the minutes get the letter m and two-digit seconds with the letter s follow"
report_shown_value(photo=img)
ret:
8h09m35s
